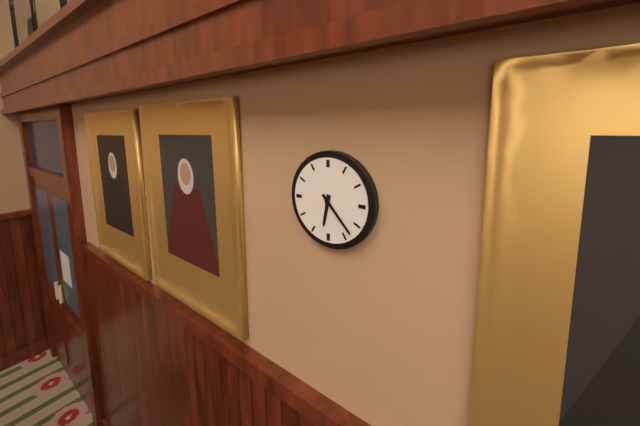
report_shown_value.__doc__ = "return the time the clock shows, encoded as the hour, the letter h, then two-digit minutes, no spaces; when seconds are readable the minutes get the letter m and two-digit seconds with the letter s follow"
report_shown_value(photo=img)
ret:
6h23
